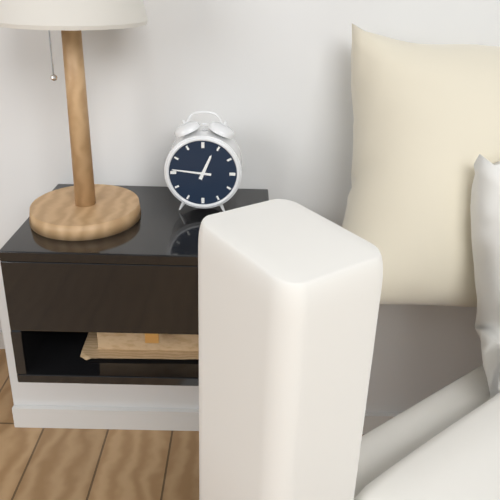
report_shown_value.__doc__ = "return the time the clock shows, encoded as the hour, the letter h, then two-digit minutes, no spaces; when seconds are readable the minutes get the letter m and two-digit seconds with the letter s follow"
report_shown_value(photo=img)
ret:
12h46
